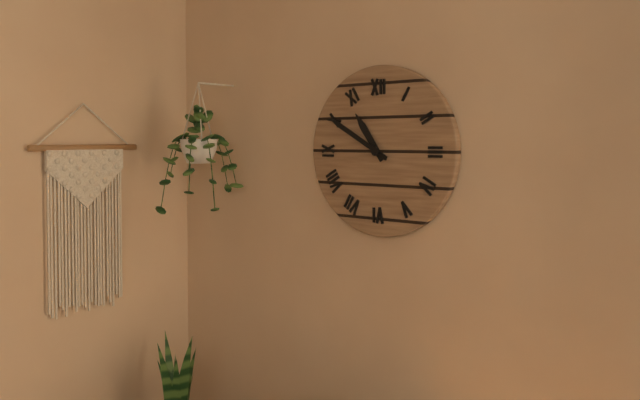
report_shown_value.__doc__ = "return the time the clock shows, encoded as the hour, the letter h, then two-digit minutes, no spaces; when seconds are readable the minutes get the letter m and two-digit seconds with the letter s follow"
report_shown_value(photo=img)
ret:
10h50
